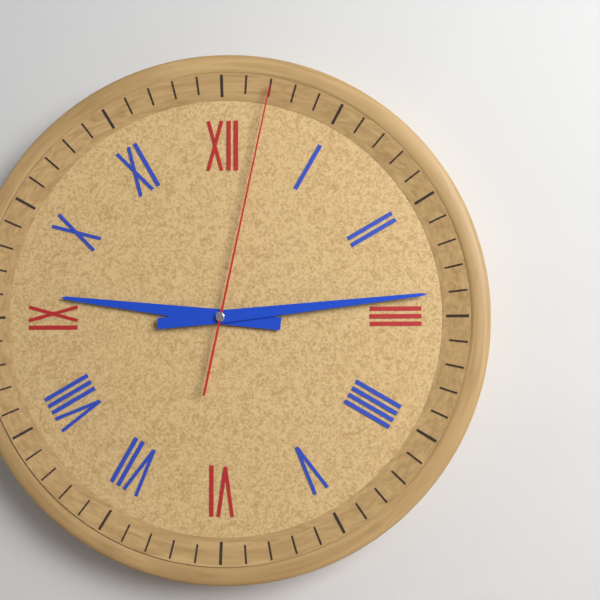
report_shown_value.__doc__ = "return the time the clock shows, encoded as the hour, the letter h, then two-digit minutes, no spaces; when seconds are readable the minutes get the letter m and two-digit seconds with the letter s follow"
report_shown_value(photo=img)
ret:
9h14m02s
